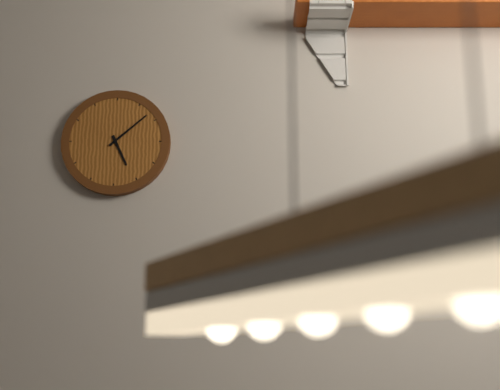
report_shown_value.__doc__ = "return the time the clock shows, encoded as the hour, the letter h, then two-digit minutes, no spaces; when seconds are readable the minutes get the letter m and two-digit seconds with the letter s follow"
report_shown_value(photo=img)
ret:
5h08
